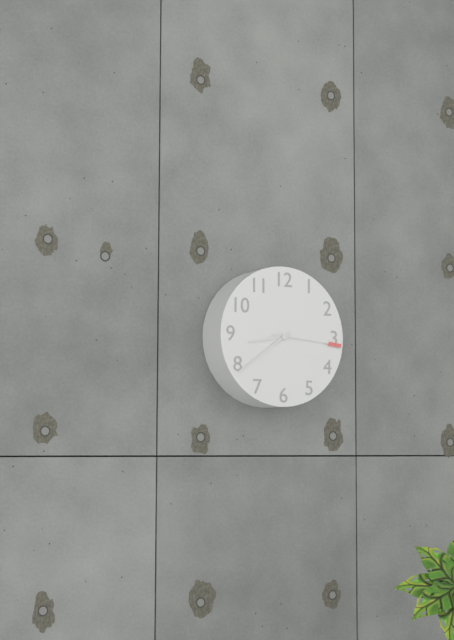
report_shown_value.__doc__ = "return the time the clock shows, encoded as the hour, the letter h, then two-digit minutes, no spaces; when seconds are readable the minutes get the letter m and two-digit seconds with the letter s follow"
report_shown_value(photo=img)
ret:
8h39m16s
